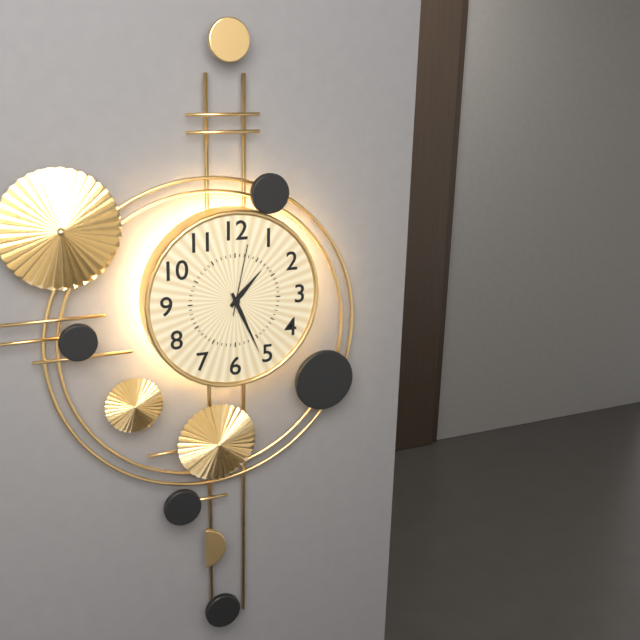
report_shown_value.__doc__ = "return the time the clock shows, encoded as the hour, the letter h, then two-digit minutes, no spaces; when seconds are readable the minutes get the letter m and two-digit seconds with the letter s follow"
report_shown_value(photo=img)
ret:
1h26m02s
